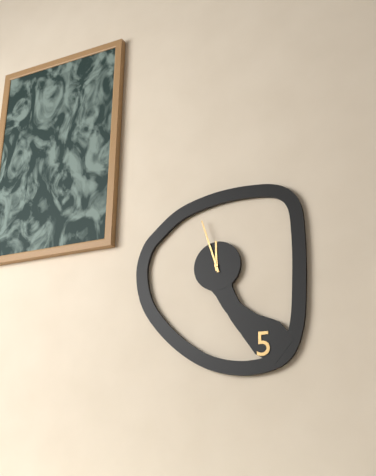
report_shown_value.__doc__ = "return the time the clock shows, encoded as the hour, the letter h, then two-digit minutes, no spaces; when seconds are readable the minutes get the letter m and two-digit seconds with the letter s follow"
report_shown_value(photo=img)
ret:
11h57
